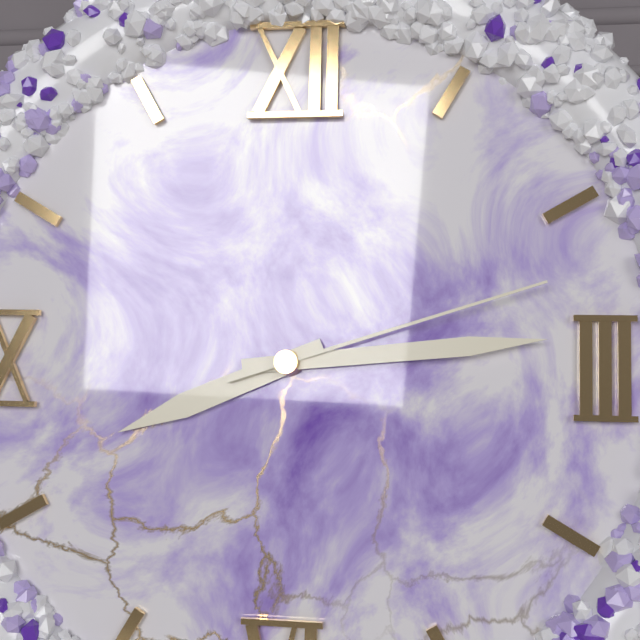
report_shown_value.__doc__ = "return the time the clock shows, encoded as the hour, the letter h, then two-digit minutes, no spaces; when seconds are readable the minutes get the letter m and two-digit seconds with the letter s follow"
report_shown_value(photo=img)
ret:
8h14m12s
